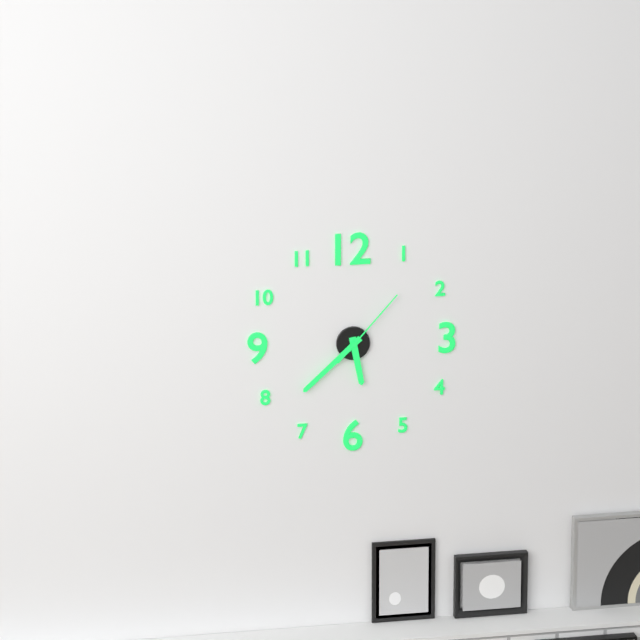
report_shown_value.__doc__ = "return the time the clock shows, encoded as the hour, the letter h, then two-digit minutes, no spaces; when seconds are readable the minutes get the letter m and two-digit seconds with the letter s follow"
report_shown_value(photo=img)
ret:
5h38m07s
